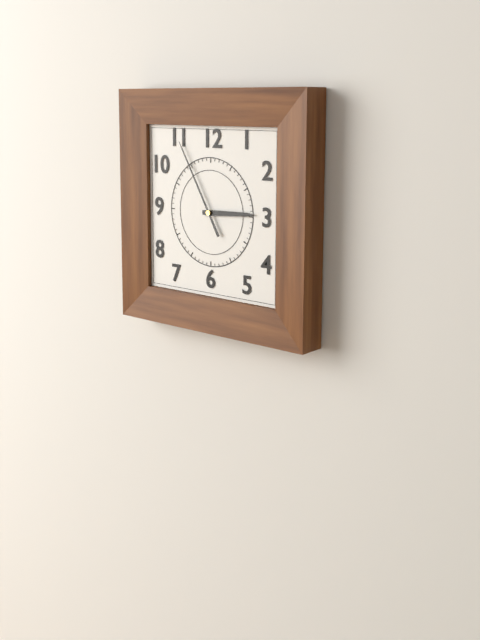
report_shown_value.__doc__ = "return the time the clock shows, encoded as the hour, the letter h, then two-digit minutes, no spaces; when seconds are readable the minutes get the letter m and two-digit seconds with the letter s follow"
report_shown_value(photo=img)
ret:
2h55
